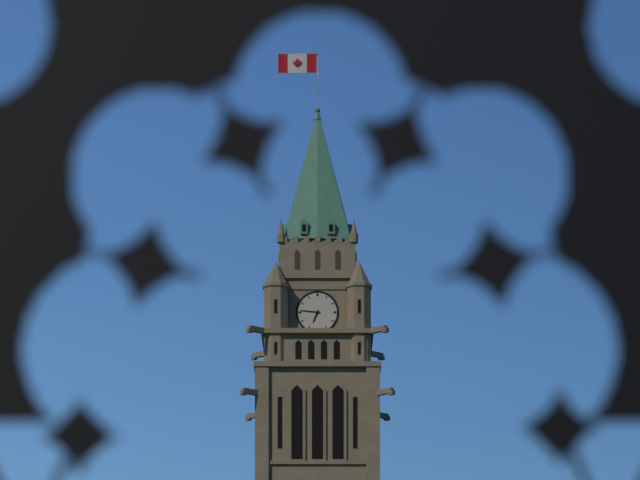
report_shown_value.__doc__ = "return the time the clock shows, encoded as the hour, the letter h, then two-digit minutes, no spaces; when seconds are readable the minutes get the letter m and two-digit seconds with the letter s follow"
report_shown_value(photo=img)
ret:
6h46
